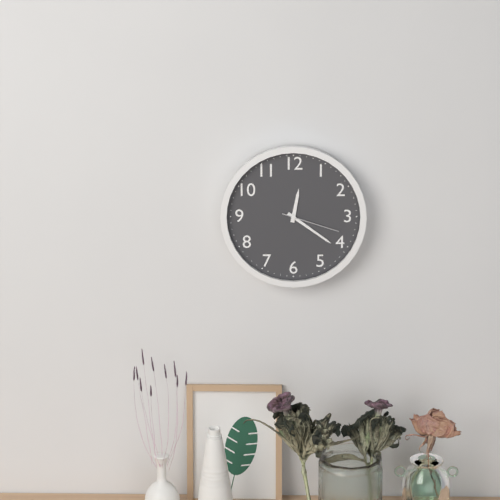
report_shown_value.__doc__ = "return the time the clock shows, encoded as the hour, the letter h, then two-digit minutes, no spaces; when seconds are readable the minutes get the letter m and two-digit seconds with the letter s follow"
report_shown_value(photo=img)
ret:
12h21m18s
